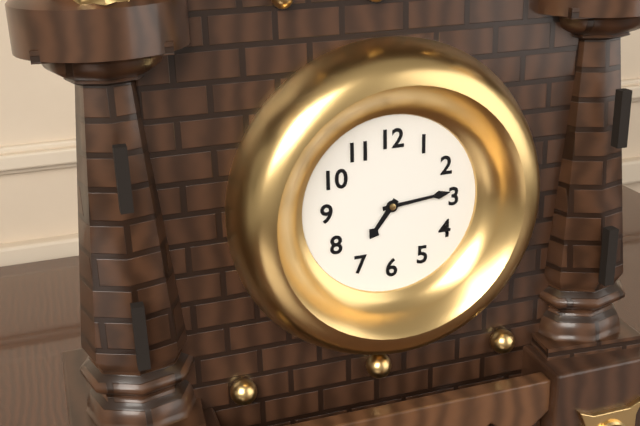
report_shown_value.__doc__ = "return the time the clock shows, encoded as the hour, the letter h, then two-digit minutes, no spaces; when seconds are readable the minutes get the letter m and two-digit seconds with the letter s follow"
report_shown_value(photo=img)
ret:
7h14
